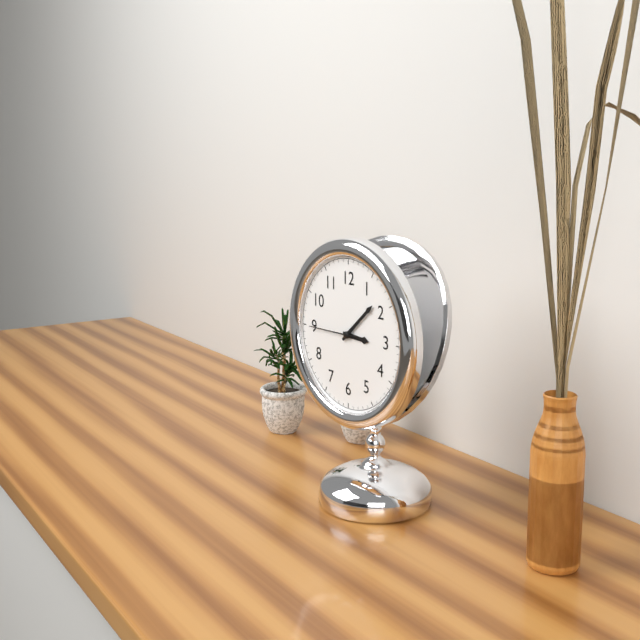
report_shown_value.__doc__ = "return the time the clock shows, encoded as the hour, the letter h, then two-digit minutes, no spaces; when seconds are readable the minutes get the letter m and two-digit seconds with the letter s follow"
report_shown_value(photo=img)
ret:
3h08
